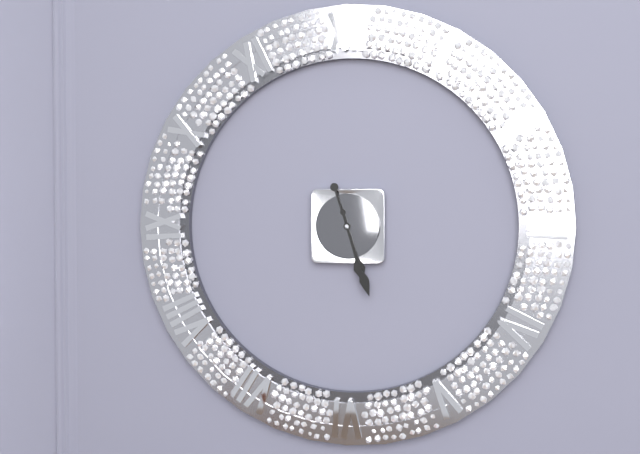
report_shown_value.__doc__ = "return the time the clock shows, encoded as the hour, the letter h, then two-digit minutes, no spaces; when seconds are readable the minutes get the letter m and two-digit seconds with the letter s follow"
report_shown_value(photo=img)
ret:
5h27
